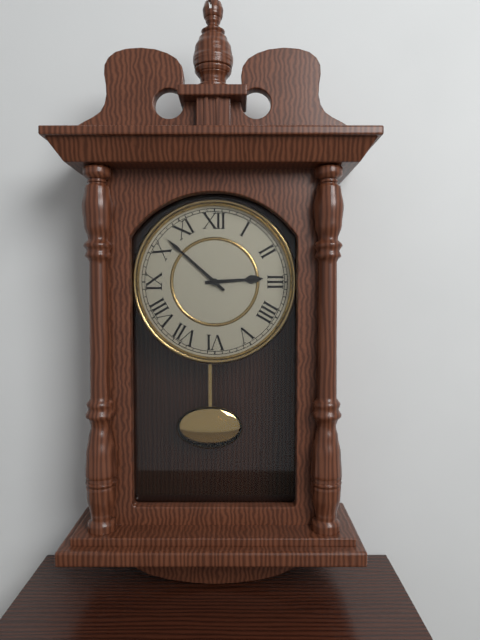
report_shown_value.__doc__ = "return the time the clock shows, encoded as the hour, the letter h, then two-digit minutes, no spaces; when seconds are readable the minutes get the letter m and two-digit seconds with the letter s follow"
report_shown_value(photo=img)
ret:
2h52
